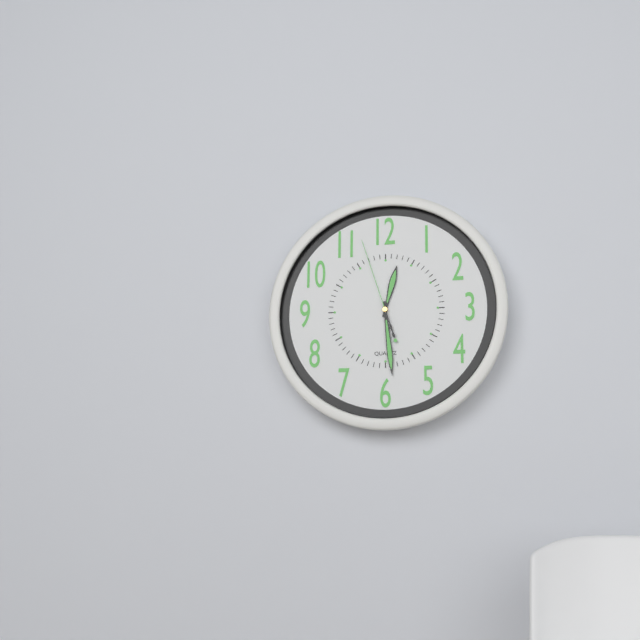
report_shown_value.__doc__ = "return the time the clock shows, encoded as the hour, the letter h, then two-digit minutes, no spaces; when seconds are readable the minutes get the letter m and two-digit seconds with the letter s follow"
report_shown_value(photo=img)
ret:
12h29m57s
